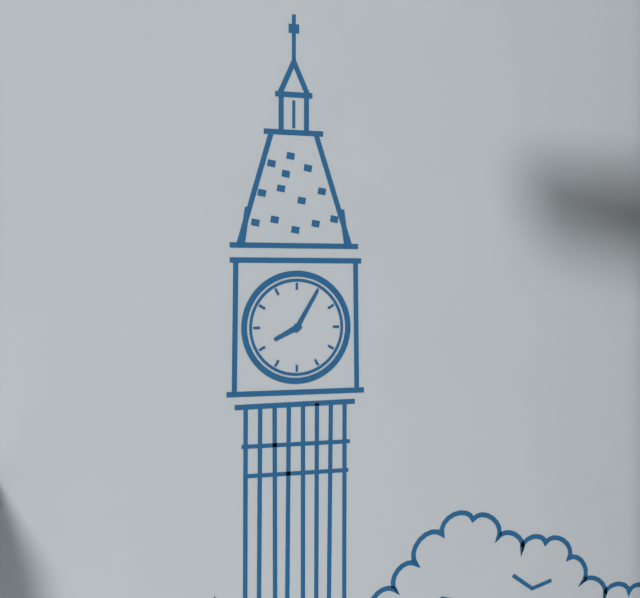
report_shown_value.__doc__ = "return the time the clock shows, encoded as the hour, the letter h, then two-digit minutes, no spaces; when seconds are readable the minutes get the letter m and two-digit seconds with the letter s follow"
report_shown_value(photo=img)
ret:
8h05
